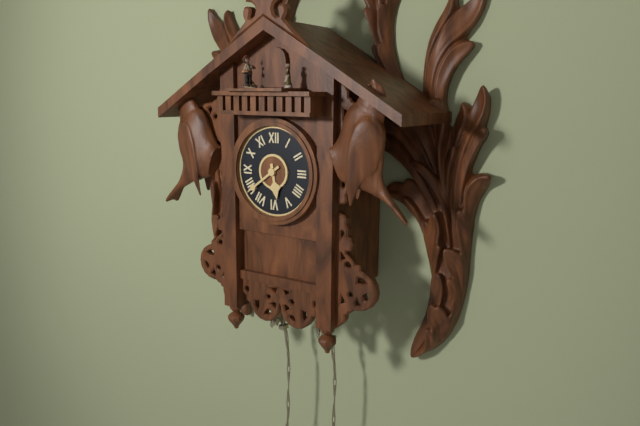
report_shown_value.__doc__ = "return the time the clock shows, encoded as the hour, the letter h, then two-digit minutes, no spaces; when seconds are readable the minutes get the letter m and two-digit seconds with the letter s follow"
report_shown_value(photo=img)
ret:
5h39
